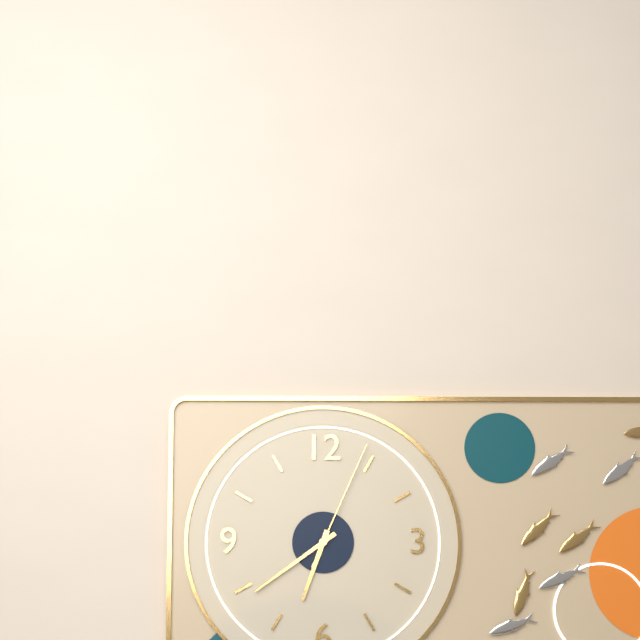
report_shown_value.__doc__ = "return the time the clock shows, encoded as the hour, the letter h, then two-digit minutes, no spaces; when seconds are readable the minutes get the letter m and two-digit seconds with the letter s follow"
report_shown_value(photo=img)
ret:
6h39m04s
